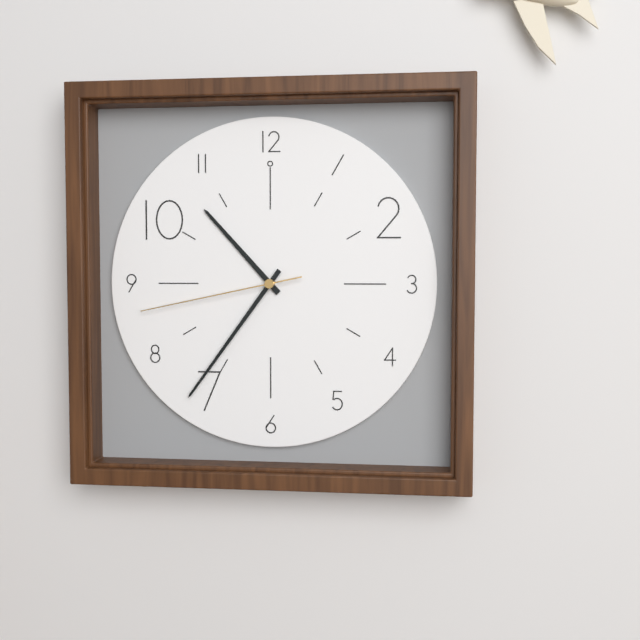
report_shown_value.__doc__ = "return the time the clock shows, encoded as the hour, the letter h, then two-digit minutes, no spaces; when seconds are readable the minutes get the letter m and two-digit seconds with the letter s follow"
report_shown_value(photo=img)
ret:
10h36m43s
